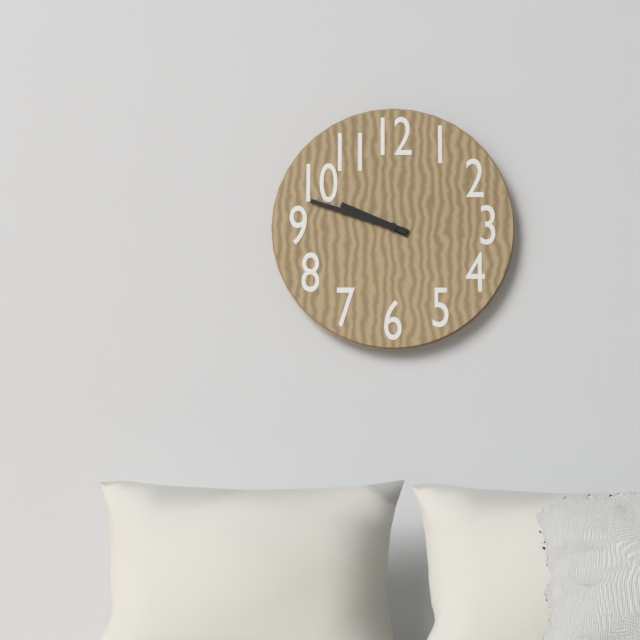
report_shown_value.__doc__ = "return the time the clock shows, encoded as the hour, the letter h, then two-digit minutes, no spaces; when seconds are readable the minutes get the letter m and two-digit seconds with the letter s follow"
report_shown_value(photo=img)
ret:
9h48
